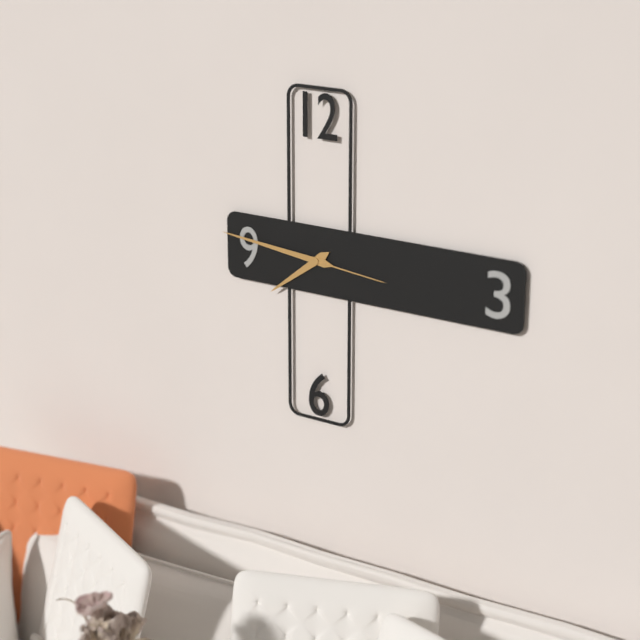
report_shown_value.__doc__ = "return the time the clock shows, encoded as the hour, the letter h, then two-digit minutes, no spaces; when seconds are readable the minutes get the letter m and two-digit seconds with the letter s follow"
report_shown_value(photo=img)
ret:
7h46m16s
